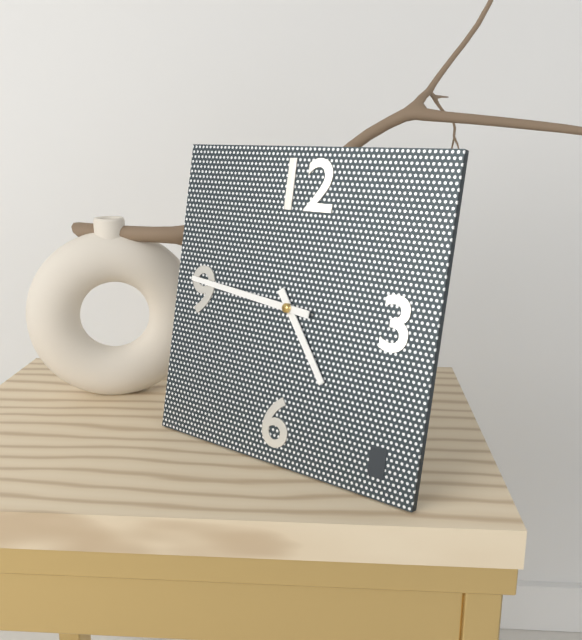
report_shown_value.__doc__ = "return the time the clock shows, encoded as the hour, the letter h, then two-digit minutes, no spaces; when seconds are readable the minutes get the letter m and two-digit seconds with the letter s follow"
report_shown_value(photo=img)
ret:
4h46
